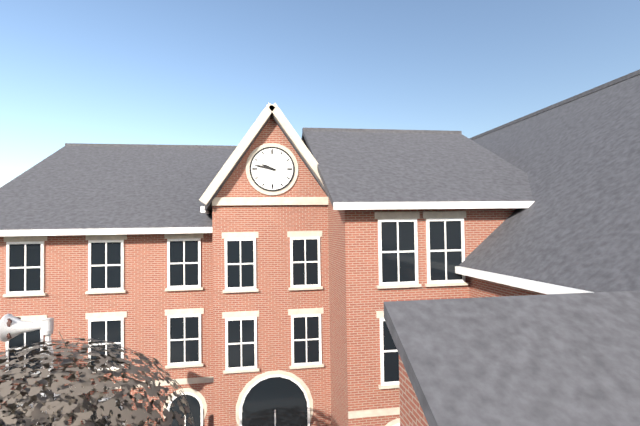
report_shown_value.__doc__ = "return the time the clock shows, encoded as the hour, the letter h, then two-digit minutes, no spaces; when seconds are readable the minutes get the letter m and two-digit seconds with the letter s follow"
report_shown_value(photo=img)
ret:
9h47
